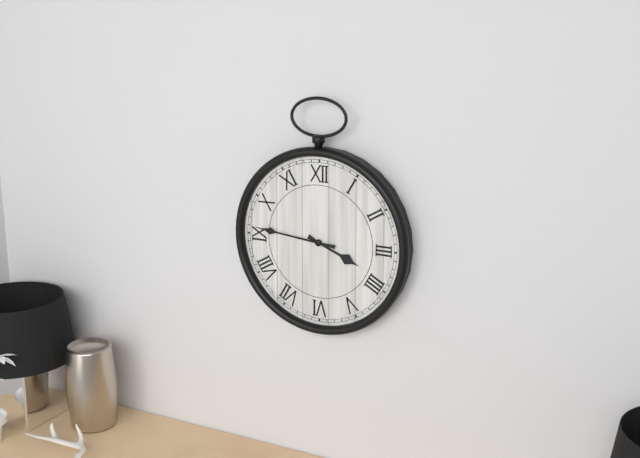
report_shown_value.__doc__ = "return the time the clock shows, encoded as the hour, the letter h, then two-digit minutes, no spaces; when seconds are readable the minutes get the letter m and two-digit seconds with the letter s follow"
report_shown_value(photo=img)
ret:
3h46
